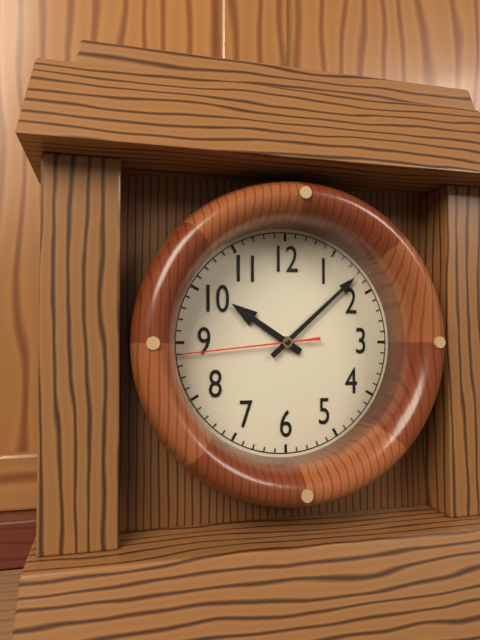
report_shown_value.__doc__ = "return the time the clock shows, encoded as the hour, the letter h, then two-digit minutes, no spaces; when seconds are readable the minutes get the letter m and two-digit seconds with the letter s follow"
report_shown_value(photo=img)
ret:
10h08m44s
